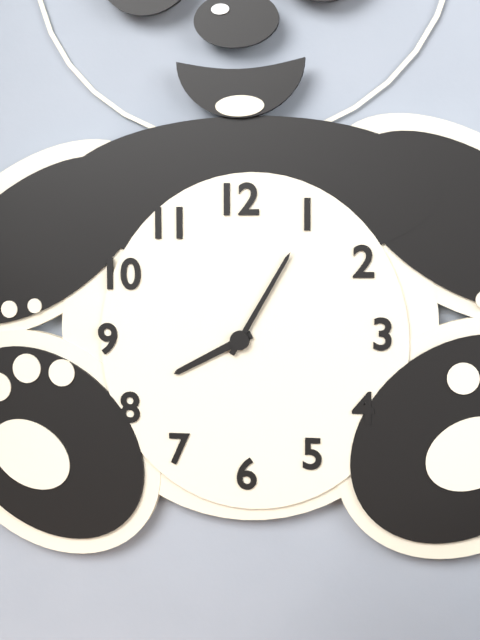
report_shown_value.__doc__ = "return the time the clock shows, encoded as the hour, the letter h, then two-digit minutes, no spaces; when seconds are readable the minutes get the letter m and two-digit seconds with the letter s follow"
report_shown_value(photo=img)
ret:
8h05
